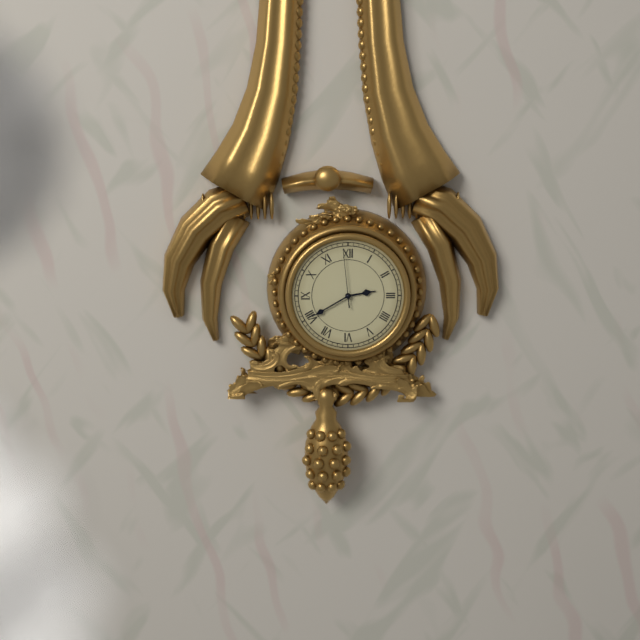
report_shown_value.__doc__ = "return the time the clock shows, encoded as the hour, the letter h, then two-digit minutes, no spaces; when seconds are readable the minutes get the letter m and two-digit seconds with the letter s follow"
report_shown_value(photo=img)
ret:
2h40m59s
